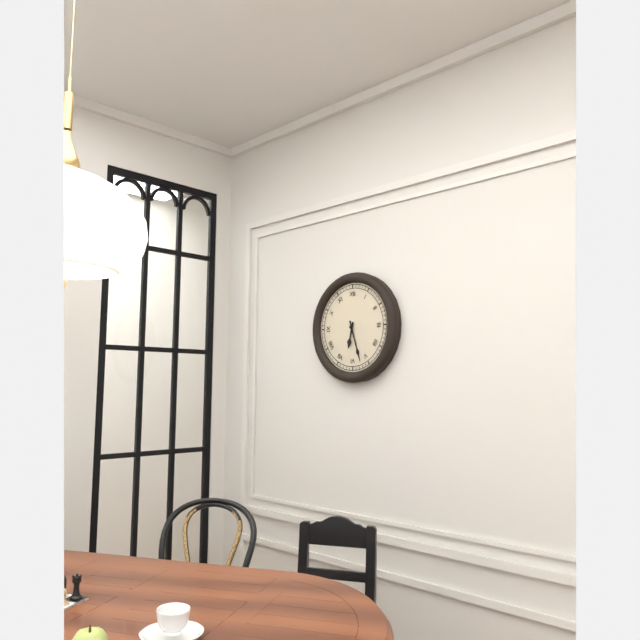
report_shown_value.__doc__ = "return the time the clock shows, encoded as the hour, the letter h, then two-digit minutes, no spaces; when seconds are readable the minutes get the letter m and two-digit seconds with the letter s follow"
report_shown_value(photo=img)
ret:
6h27
